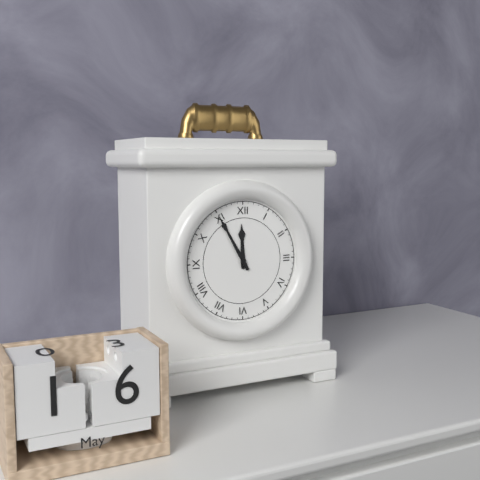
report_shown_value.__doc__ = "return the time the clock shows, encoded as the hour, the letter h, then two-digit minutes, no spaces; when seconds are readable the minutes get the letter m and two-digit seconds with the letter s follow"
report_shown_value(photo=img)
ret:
11h55
